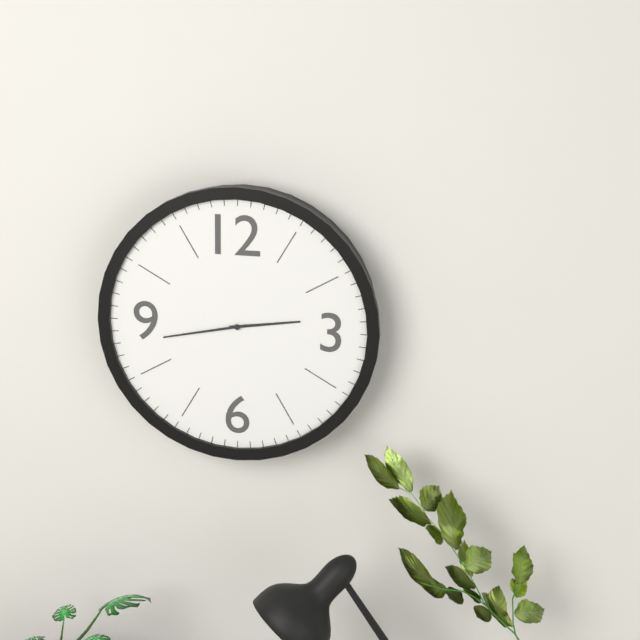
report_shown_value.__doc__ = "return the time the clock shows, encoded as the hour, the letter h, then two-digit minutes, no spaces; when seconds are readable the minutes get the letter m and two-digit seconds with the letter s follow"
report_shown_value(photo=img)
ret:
2h43
